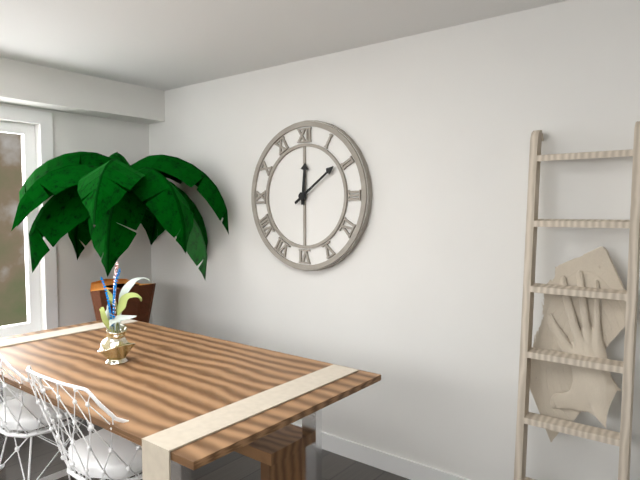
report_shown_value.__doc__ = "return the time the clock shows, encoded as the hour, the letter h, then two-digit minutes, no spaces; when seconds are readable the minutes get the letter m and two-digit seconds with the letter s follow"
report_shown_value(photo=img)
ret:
12h09
